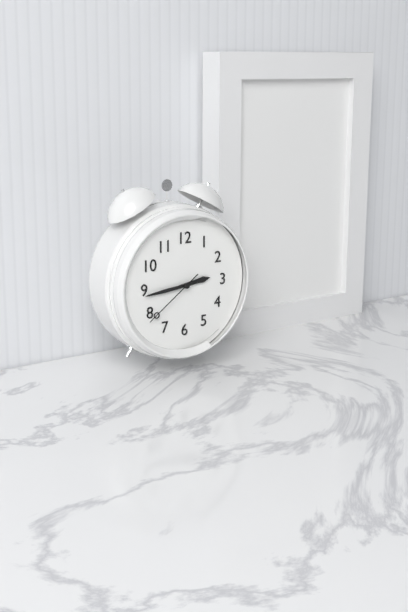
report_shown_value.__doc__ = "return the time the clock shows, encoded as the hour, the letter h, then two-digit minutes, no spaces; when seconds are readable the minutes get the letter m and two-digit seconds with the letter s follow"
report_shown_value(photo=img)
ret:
2h44m39s
